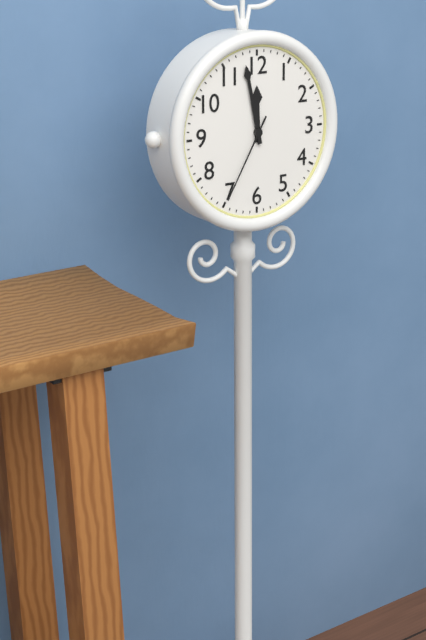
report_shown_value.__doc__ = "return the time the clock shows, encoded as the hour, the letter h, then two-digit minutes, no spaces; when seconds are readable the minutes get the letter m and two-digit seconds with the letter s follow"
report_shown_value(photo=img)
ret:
11h58m35s
